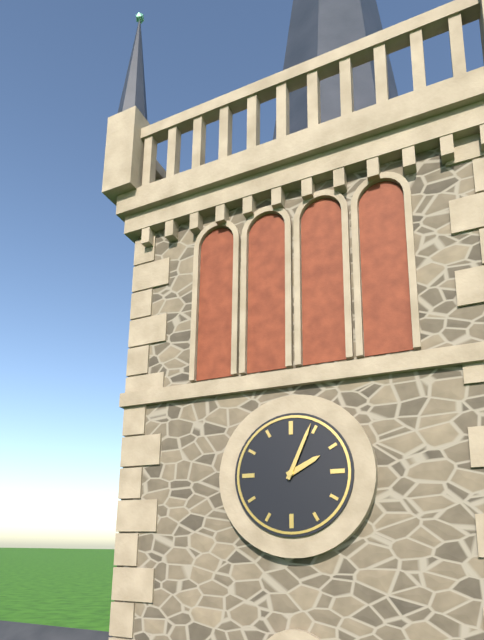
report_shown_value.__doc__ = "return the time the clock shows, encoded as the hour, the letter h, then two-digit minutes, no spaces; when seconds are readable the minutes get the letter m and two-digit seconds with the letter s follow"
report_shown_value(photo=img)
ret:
2h04
